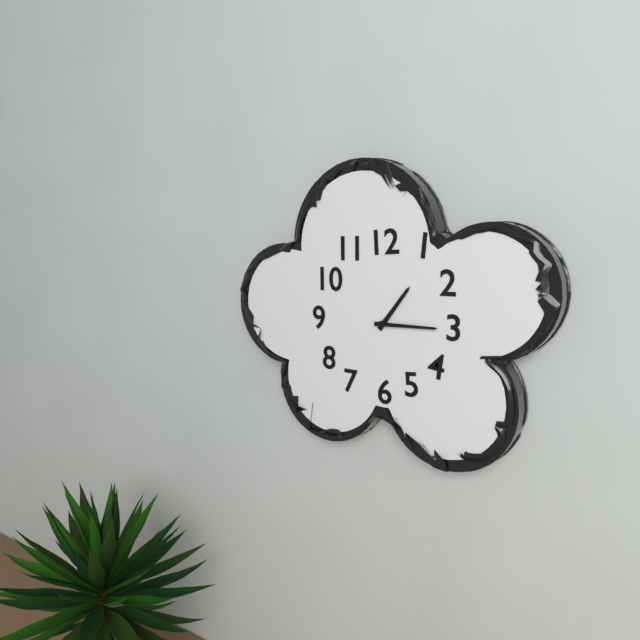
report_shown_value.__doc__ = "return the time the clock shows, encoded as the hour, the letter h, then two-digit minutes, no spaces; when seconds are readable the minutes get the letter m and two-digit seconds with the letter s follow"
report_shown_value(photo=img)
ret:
1h15
